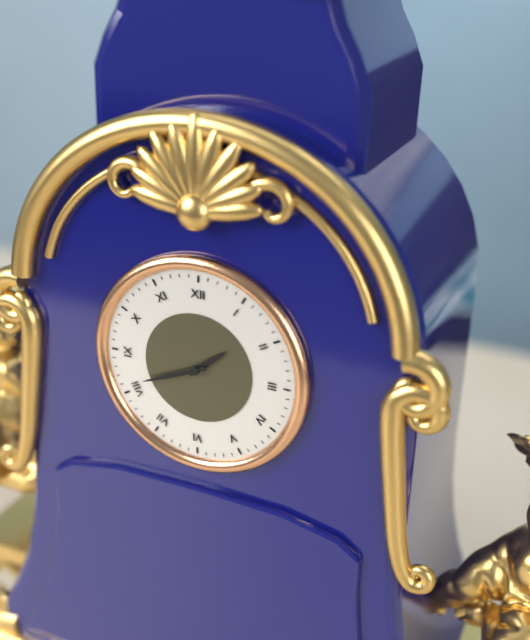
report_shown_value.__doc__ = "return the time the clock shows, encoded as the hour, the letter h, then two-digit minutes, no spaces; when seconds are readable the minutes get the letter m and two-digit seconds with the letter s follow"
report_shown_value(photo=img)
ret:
1h41
